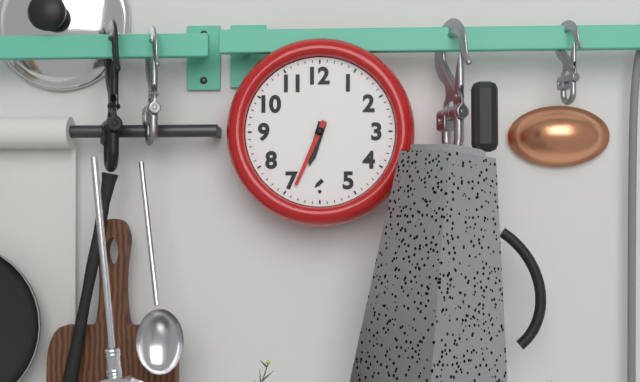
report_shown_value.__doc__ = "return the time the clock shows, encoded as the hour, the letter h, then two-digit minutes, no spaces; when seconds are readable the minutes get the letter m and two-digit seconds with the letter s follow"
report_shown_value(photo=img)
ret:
6h34
